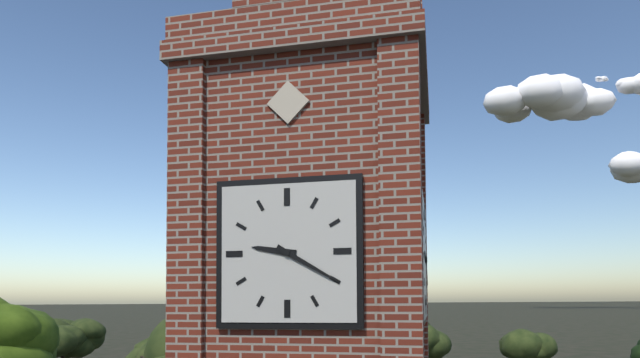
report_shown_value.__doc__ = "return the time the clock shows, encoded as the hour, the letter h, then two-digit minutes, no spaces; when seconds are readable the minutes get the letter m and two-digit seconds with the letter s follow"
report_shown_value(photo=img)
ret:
9h20
